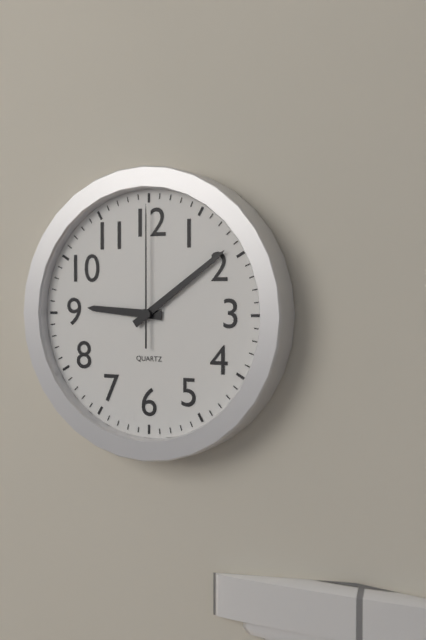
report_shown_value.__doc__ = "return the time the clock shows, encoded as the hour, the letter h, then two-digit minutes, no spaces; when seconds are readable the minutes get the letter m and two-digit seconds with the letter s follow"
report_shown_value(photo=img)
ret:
9h09m00s
